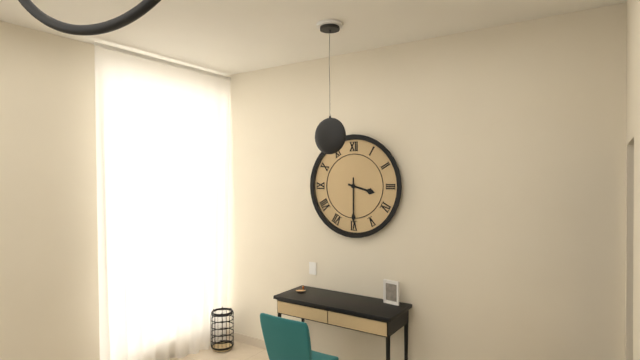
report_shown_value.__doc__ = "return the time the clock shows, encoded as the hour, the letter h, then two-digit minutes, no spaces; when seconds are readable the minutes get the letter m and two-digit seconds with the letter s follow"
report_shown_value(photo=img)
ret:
3h30
